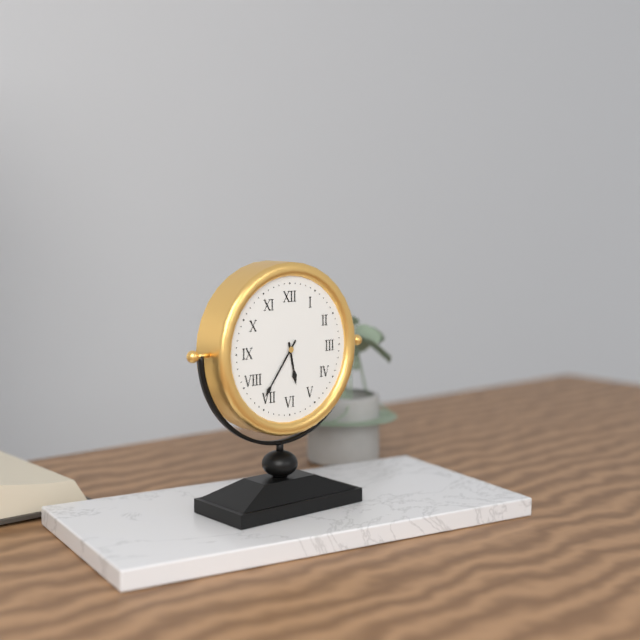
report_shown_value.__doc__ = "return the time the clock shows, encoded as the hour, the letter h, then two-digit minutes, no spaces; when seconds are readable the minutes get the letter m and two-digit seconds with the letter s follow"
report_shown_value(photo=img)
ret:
5h36
